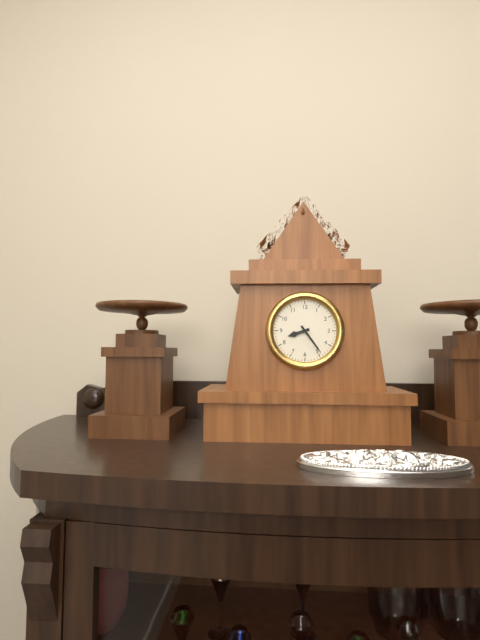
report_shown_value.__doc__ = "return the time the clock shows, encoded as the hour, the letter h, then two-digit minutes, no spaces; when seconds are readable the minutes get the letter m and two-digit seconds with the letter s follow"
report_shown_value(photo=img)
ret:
8h24
